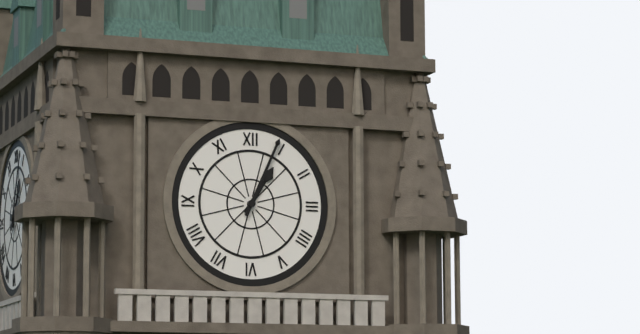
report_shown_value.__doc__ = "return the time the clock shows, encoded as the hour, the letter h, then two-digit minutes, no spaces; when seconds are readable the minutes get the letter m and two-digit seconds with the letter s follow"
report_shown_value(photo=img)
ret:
1h04
